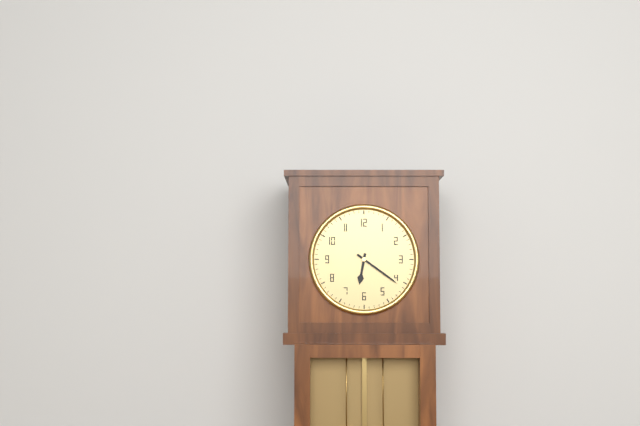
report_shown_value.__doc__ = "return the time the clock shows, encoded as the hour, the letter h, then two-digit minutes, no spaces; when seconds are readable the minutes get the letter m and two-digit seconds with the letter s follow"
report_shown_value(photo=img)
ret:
6h21
